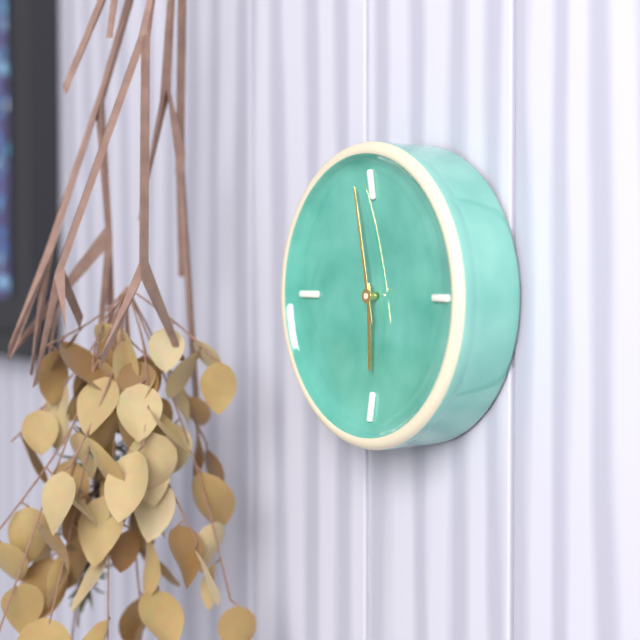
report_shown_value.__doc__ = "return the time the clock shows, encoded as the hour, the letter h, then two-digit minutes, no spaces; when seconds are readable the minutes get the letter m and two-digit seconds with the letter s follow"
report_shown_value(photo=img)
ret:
5h58
